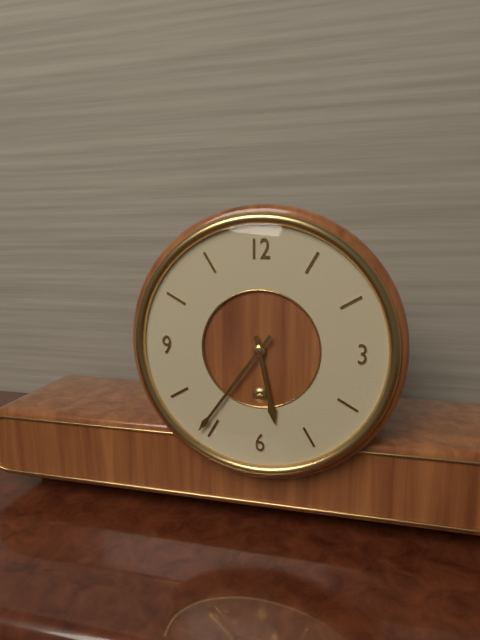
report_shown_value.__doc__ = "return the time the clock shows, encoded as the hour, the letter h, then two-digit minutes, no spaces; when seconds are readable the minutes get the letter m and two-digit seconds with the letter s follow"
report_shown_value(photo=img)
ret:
5h36
